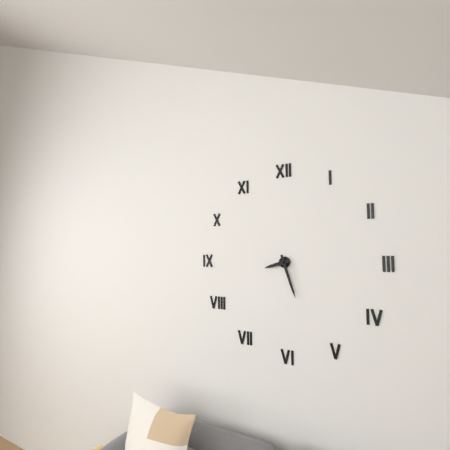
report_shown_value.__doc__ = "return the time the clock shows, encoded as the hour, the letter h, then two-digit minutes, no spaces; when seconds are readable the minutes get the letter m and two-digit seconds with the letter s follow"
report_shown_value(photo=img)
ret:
8h27
